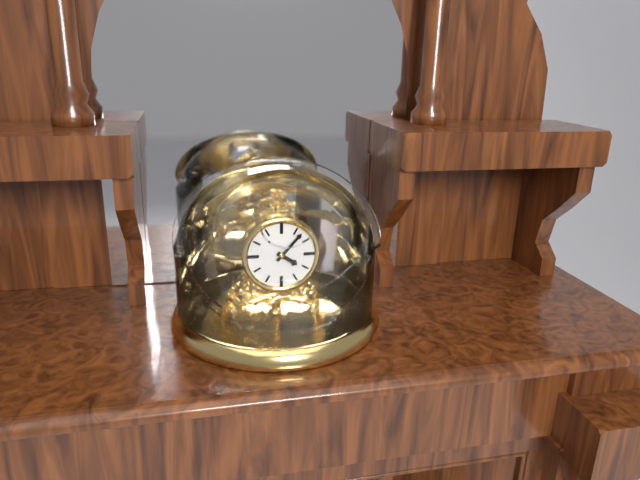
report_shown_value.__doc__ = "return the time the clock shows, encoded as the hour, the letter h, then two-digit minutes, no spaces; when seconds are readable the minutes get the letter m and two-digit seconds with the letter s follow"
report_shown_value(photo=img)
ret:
4h07
